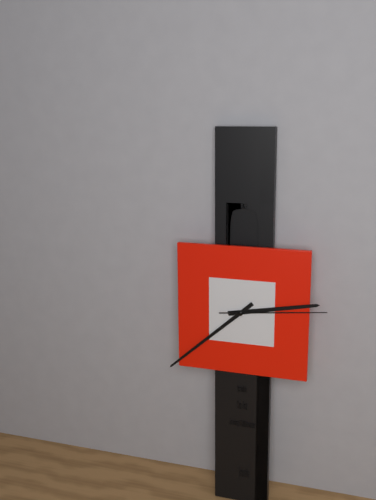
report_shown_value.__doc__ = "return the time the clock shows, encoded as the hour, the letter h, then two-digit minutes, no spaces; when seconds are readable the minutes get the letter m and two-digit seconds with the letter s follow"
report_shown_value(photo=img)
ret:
2h38m14s
